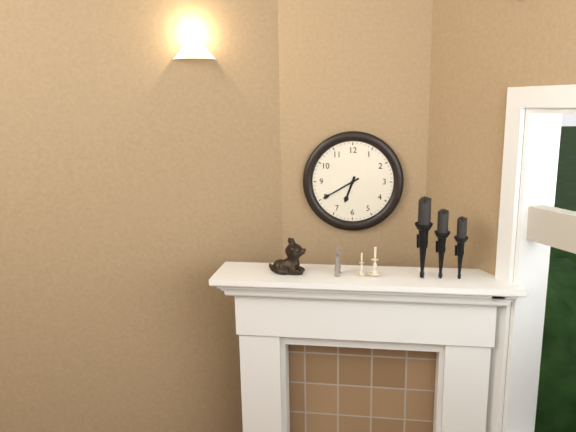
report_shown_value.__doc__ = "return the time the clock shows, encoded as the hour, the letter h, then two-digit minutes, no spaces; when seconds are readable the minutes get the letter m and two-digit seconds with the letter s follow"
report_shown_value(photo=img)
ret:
6h40
